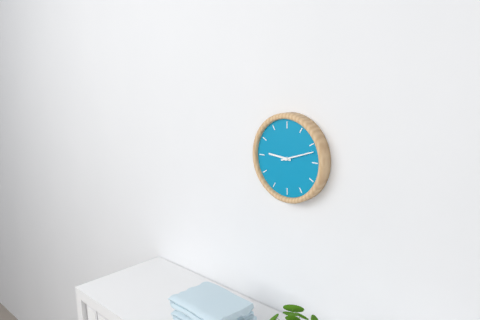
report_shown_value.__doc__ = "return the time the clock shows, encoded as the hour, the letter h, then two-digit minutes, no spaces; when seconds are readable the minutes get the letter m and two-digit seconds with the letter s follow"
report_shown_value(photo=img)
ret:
9h12
